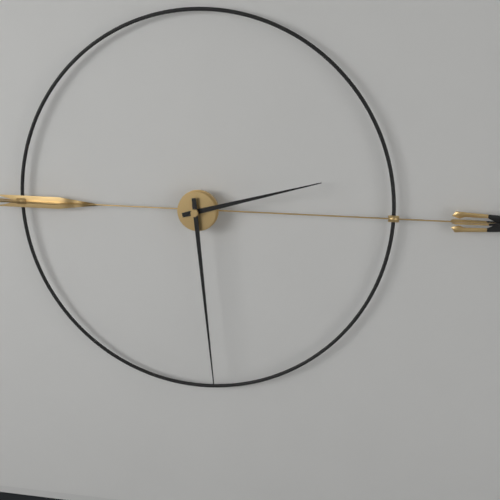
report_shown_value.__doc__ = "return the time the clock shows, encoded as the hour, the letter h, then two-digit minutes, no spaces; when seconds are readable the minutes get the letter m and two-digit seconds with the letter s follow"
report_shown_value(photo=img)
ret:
2h29
